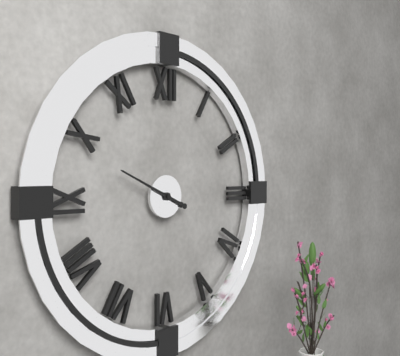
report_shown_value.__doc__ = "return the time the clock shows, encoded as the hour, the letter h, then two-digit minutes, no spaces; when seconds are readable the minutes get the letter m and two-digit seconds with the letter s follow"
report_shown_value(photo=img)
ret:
9h49
